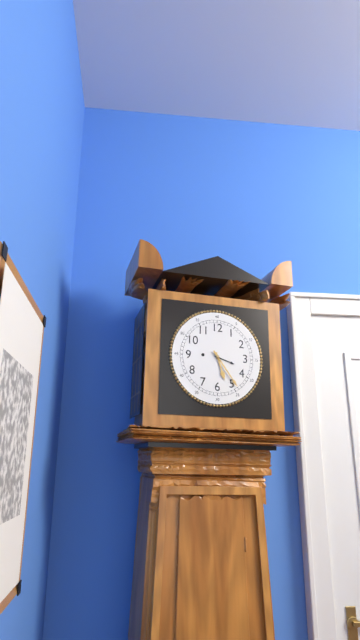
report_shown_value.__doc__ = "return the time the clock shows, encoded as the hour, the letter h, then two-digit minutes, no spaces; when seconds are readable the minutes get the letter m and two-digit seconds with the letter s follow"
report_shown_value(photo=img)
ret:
5h24
